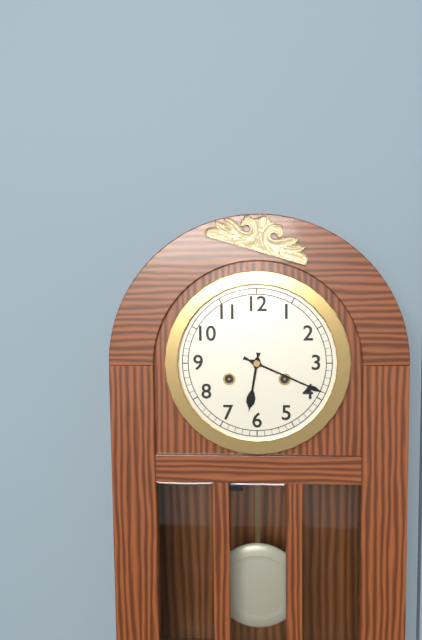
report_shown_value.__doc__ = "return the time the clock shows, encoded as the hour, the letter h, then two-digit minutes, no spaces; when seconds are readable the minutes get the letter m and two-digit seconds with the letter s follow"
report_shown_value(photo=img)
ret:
6h19
